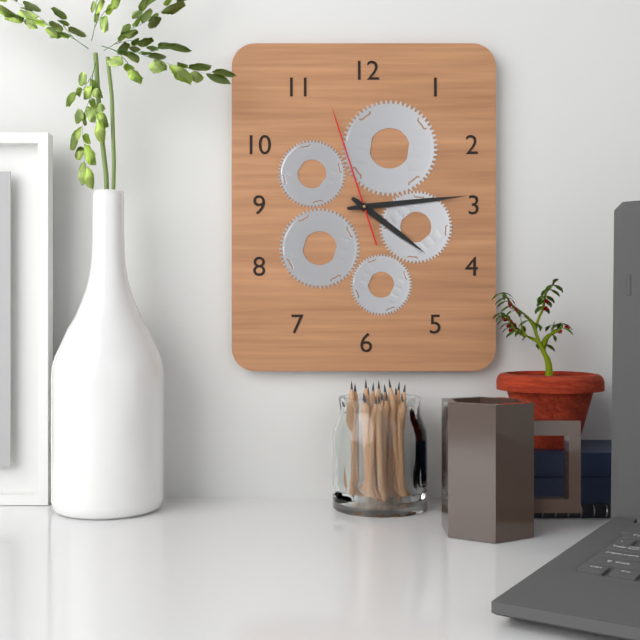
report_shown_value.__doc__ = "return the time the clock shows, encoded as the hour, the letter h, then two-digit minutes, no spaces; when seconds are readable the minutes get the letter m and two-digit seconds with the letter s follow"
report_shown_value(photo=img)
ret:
4h14m57s
